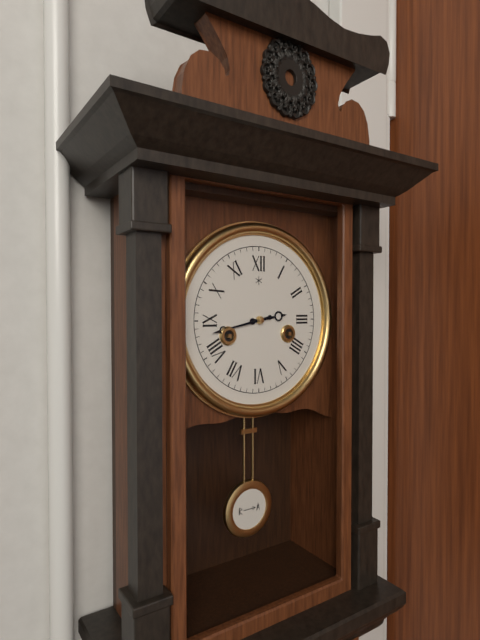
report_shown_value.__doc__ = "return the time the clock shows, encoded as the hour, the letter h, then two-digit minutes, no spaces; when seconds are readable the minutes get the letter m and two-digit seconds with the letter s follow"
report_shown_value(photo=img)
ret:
2h43
